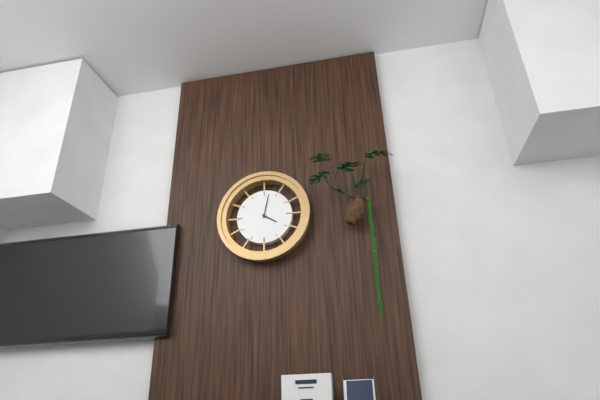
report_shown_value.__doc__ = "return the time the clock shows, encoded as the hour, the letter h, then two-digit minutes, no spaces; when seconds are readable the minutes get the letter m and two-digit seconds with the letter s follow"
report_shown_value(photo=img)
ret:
4h02
